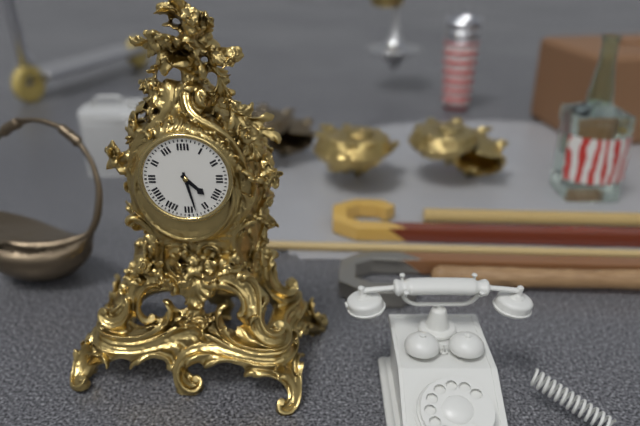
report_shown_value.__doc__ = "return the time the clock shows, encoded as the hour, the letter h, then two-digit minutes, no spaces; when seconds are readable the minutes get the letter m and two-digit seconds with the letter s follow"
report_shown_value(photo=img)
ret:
4h28
